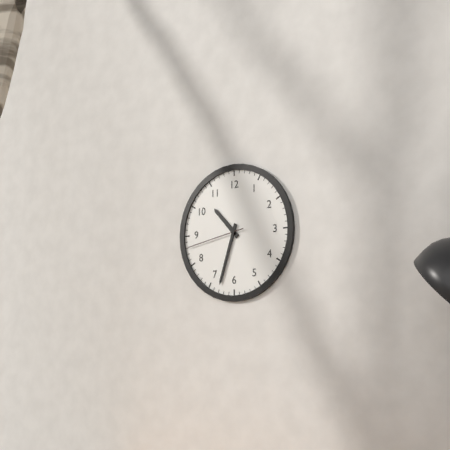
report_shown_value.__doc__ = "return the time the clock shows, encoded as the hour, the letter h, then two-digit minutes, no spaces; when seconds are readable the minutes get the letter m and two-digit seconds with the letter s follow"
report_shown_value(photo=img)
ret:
10h33m43s
